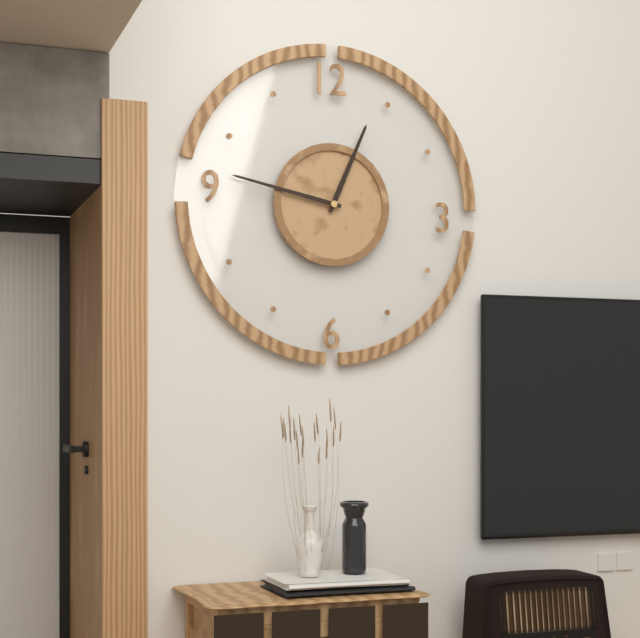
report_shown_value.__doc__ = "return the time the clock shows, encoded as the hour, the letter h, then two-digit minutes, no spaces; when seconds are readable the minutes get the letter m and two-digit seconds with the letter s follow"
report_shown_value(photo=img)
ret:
12h47
